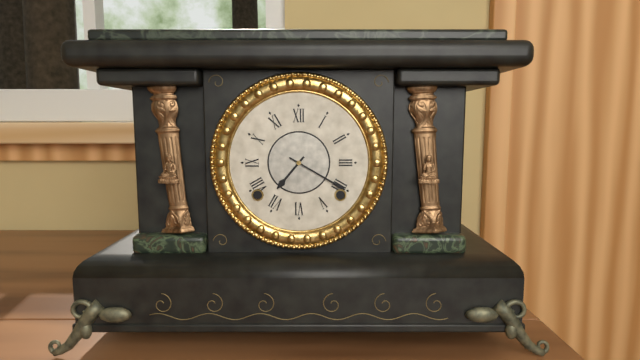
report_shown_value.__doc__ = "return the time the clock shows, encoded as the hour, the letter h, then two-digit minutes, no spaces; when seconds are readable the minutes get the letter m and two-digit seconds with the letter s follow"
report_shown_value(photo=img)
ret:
7h20
